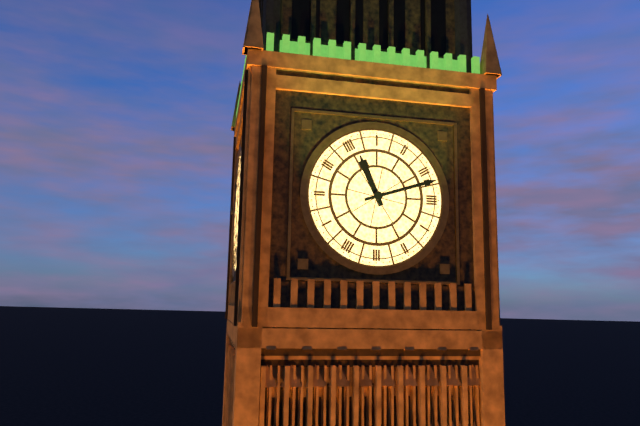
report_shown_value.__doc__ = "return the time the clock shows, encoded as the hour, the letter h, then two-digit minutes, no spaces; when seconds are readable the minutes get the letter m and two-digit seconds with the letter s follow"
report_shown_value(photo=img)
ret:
11h12
